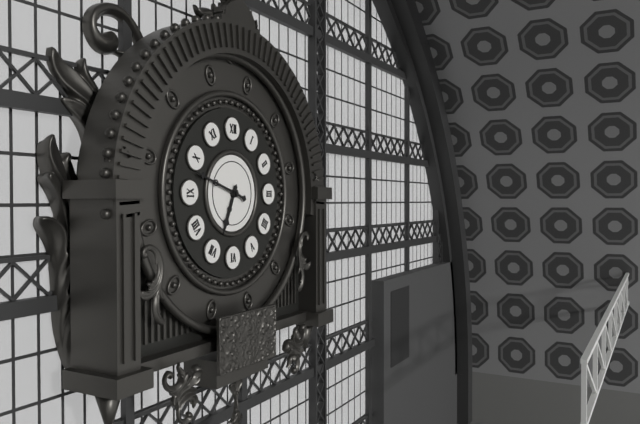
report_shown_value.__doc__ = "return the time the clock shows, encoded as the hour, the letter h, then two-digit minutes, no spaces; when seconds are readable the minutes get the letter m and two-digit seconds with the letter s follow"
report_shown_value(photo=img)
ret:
6h48
